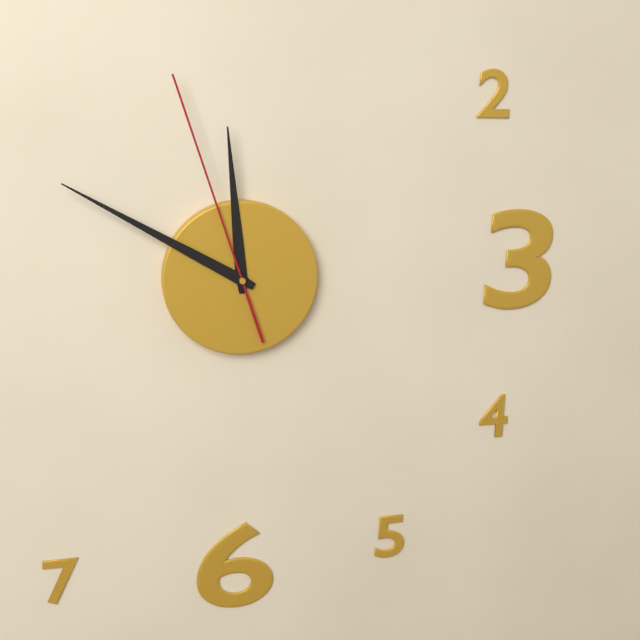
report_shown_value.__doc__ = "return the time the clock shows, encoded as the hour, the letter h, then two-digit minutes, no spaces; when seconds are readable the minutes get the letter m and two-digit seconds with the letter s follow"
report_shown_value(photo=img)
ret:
11h50m57s
